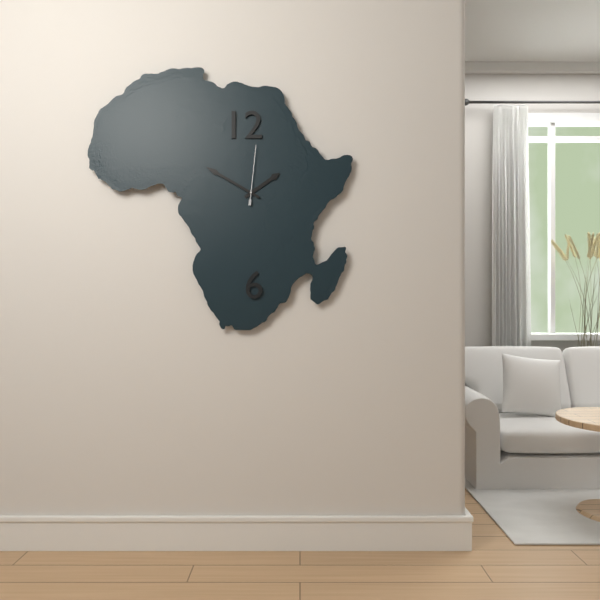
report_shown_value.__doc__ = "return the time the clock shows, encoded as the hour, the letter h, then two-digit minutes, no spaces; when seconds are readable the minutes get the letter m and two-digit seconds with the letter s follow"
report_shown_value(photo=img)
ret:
1h50m01s
